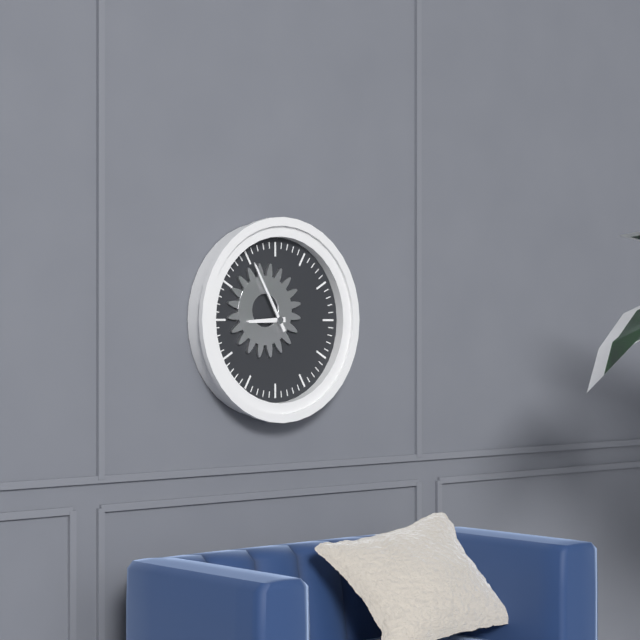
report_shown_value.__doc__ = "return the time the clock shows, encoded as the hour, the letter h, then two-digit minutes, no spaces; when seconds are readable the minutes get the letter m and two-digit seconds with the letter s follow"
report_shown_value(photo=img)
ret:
8h55
